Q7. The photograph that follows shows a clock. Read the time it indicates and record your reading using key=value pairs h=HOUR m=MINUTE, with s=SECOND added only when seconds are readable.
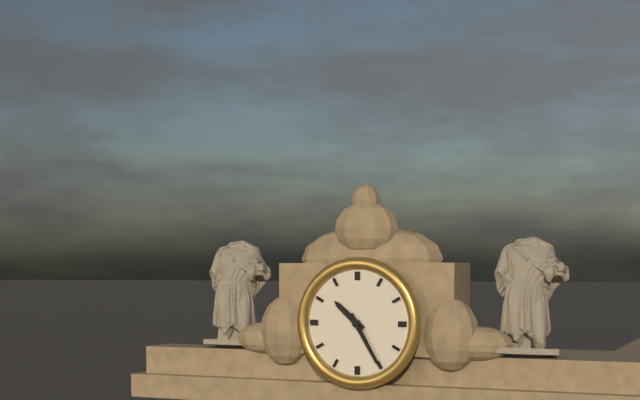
h=10 m=25
